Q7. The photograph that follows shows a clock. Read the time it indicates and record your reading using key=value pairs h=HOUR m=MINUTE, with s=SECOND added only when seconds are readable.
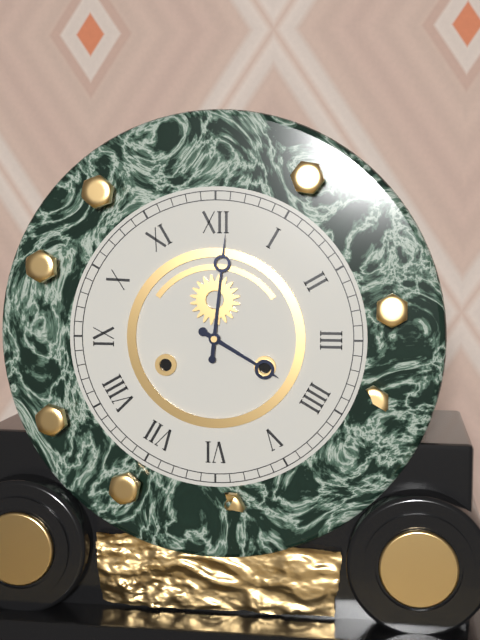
h=4 m=1
